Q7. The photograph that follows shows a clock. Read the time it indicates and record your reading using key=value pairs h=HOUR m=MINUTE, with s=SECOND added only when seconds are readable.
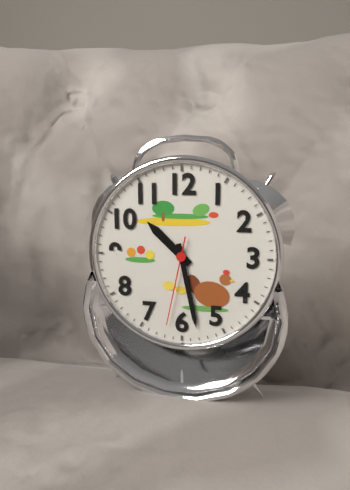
h=10 m=28 s=32
